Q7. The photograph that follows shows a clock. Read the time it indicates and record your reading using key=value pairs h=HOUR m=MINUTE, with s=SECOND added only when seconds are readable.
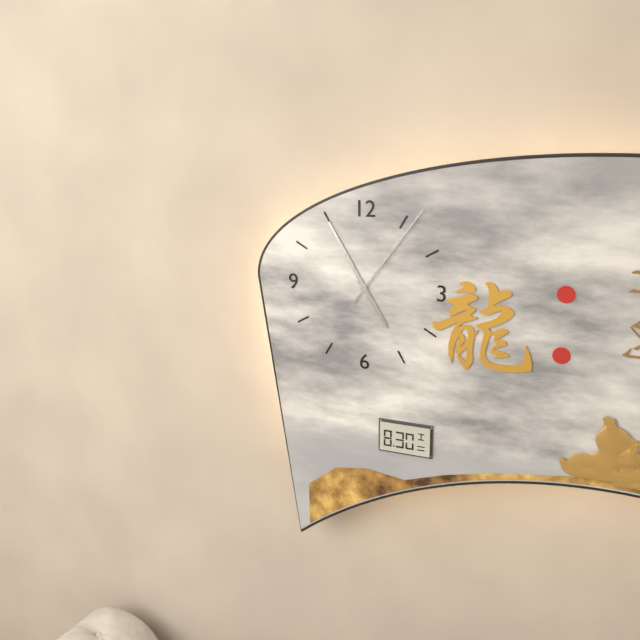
h=4 m=55 s=6
